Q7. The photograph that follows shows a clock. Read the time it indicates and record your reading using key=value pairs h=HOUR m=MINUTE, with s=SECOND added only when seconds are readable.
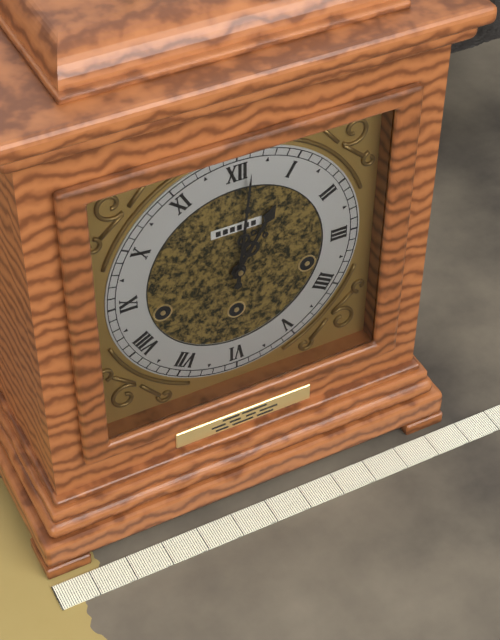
h=1 m=1
